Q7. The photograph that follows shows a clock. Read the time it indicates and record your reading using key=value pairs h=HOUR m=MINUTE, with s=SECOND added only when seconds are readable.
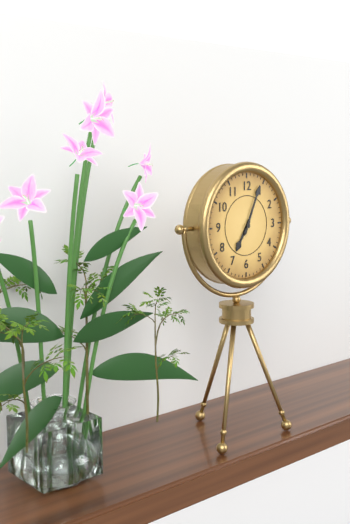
h=7 m=4
